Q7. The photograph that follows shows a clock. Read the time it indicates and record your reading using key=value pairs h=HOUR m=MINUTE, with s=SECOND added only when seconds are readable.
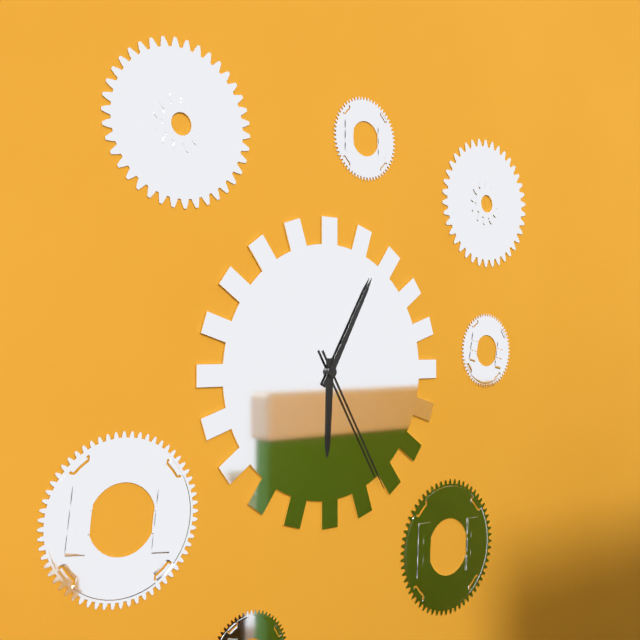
h=6 m=5 s=25
